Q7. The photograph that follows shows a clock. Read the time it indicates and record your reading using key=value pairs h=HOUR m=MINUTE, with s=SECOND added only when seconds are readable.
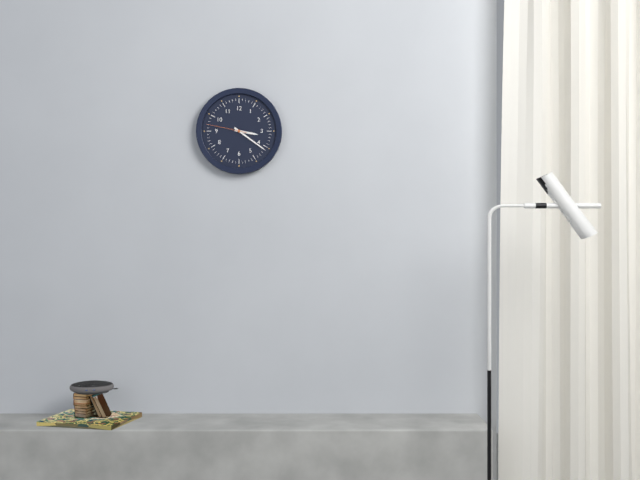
h=3 m=21
